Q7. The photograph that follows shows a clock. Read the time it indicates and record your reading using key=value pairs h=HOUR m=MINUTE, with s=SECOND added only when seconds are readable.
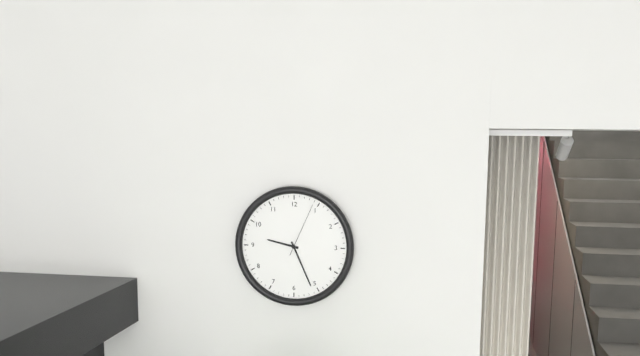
h=9 m=26 s=4
